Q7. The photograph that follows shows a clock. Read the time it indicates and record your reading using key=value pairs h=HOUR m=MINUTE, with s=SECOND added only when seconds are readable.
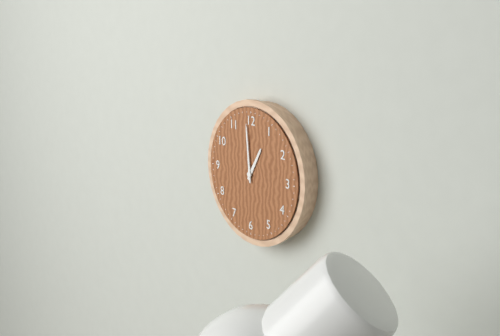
h=12 m=59
